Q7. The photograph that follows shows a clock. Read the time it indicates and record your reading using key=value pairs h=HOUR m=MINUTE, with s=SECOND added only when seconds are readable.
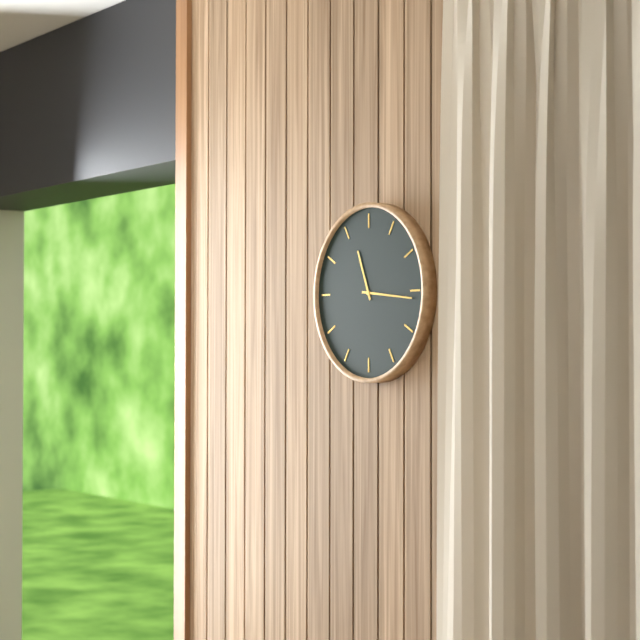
h=11 m=16
